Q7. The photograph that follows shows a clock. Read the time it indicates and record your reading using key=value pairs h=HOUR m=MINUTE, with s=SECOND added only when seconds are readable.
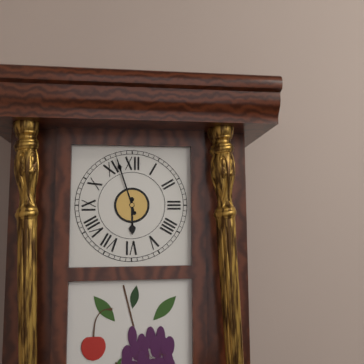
h=5 m=57
